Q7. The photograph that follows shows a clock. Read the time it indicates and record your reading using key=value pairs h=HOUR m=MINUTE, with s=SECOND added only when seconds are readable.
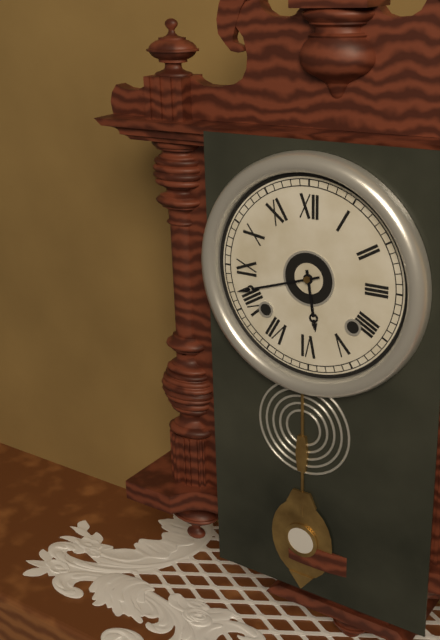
h=5 m=42
